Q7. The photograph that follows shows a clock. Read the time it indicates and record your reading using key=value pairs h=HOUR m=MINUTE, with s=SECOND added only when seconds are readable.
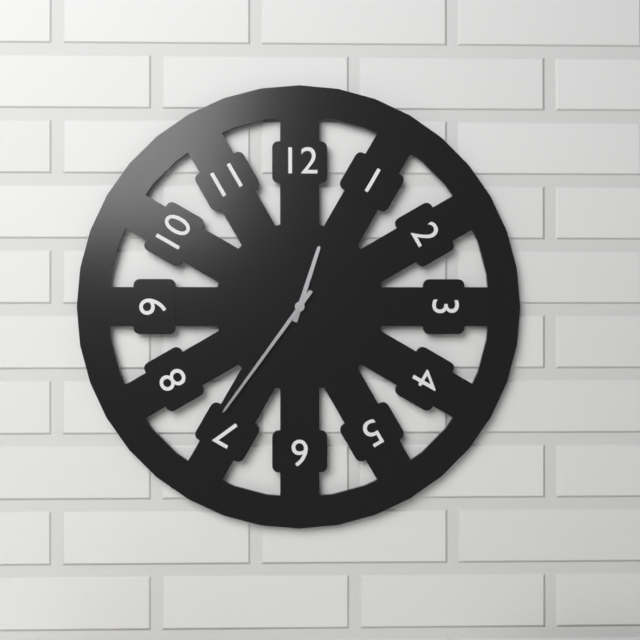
h=12 m=36
